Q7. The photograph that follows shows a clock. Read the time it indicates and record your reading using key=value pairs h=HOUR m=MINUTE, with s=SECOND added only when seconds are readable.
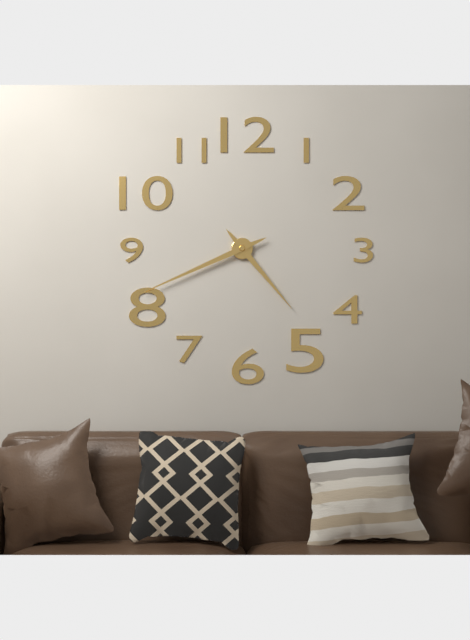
h=4 m=41
